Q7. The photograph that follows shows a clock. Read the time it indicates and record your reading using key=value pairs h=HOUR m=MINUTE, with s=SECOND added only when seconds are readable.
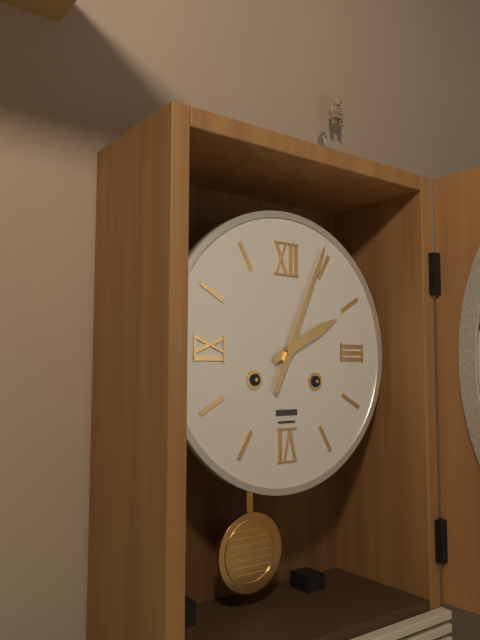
h=2 m=4
